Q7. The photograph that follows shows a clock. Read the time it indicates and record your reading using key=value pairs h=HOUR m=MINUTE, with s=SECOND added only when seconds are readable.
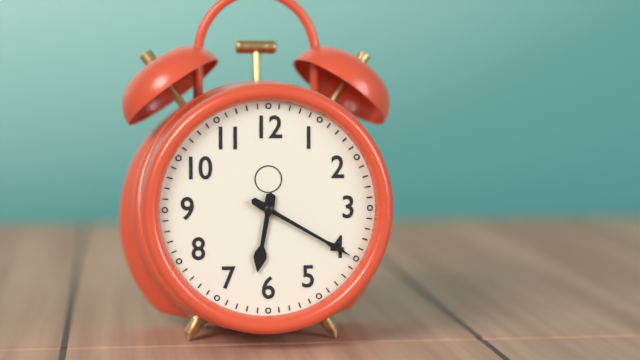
h=6 m=20
